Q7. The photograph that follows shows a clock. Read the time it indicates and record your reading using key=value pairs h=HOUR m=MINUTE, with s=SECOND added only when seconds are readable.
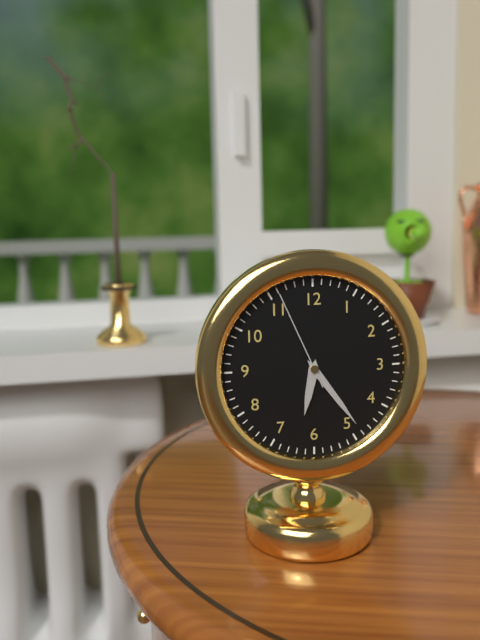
h=6 m=24 s=56
